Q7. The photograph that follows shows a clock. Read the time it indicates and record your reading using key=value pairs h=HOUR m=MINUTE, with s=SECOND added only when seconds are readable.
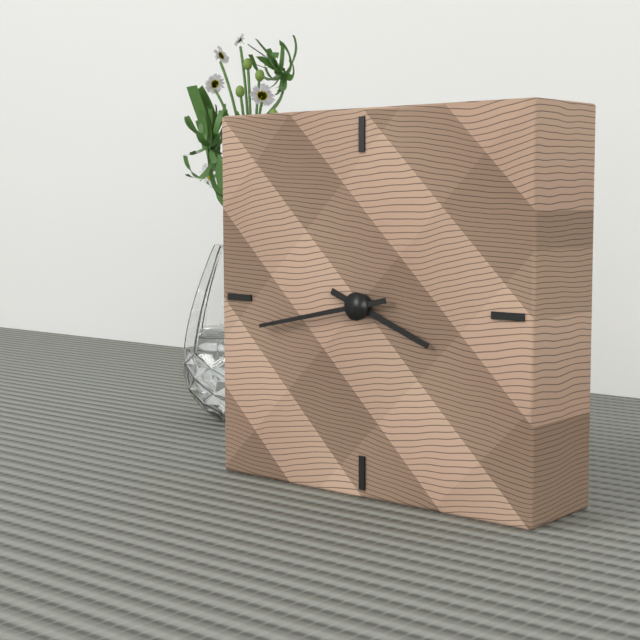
h=3 m=43
